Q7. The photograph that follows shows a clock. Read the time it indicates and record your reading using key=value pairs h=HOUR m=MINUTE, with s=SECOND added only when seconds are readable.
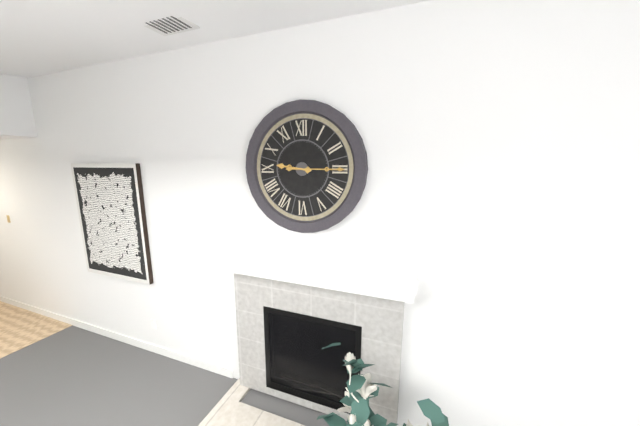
h=9 m=15
